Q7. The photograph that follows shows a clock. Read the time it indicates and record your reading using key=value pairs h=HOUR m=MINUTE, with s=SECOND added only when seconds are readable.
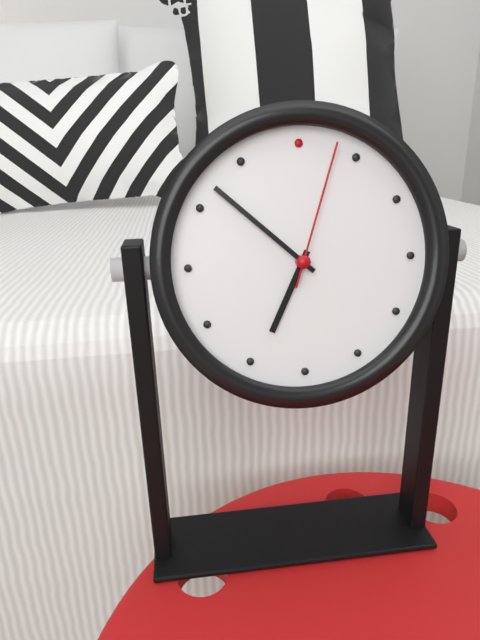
h=6 m=52 s=3
